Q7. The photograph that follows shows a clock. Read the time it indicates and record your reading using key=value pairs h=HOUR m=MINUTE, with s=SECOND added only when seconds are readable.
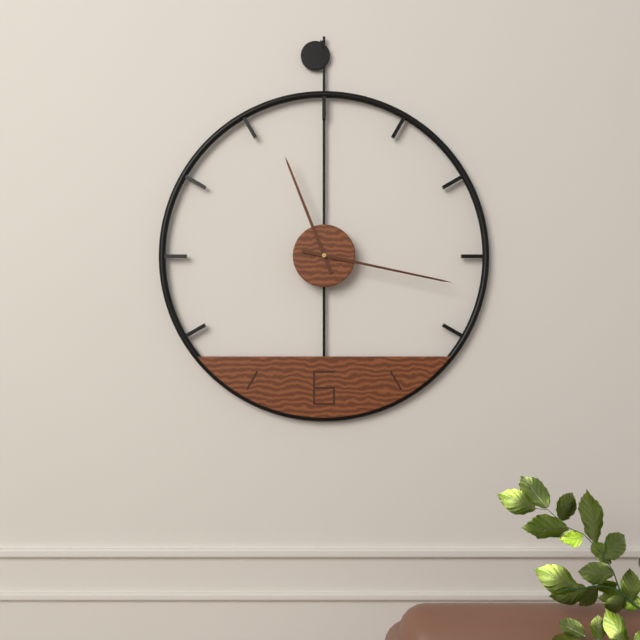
h=11 m=17
